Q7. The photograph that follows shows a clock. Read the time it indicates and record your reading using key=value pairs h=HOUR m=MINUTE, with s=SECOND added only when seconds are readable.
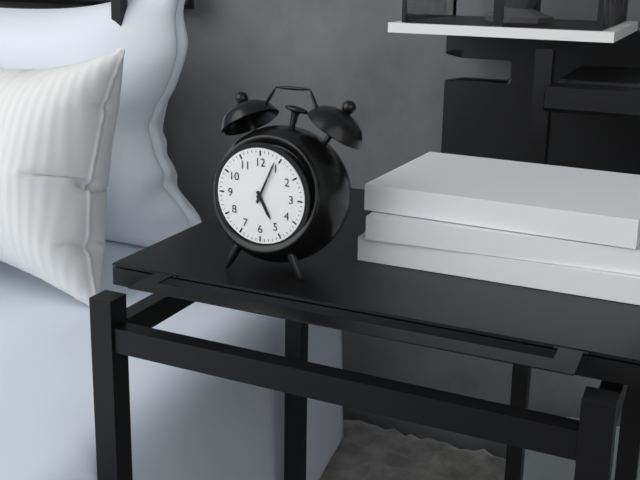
h=5 m=4
